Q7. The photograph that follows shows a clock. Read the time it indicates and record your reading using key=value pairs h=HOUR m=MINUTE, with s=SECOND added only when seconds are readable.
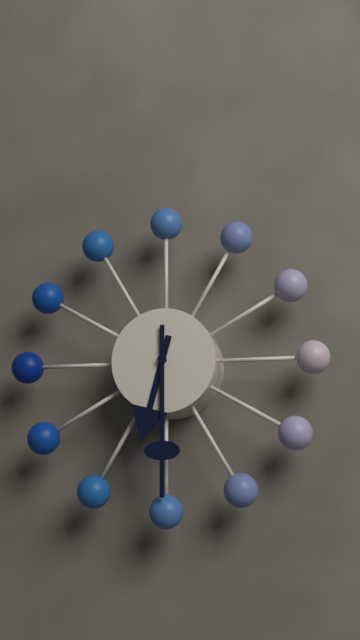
h=6 m=30
